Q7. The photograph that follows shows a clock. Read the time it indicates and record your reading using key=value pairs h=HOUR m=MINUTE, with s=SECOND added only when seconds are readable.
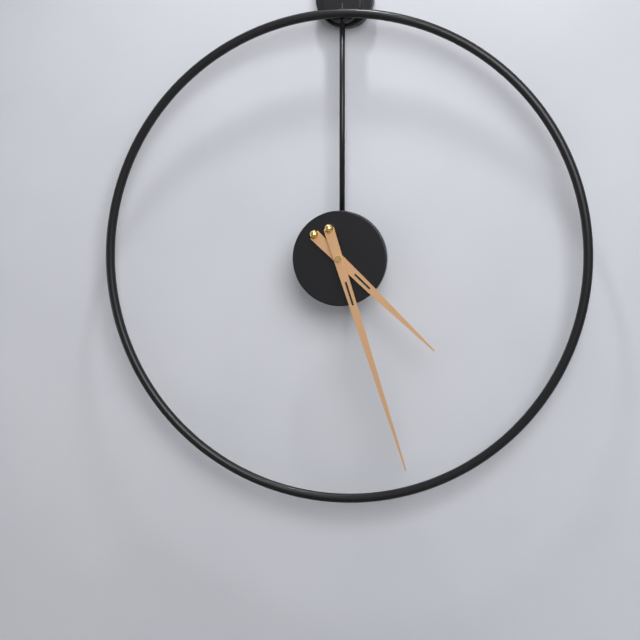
h=4 m=27
